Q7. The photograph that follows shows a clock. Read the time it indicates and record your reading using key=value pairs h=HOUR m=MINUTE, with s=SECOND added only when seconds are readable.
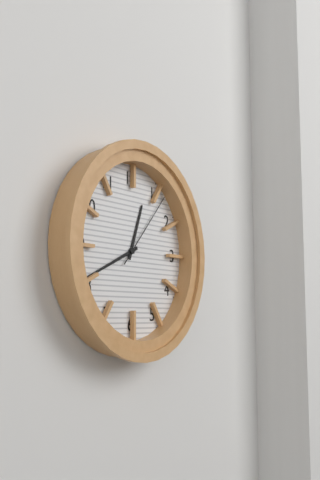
h=12 m=41 s=7
